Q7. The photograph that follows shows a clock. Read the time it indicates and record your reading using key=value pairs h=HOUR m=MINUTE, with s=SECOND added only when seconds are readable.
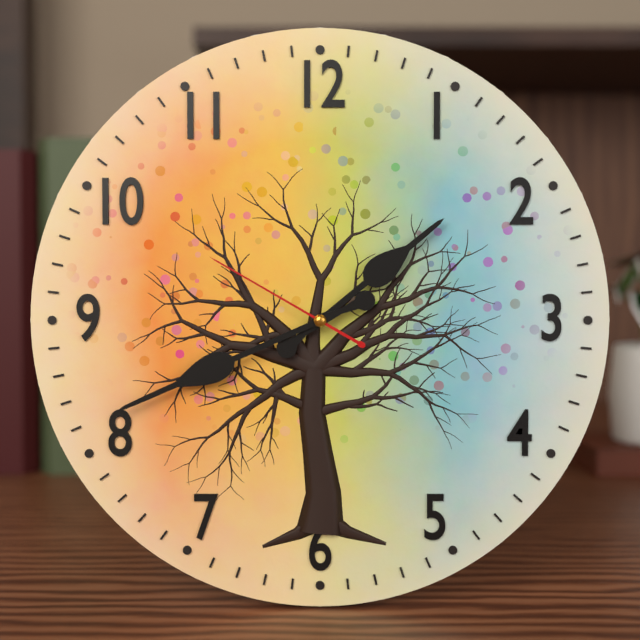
h=1 m=41 s=50
